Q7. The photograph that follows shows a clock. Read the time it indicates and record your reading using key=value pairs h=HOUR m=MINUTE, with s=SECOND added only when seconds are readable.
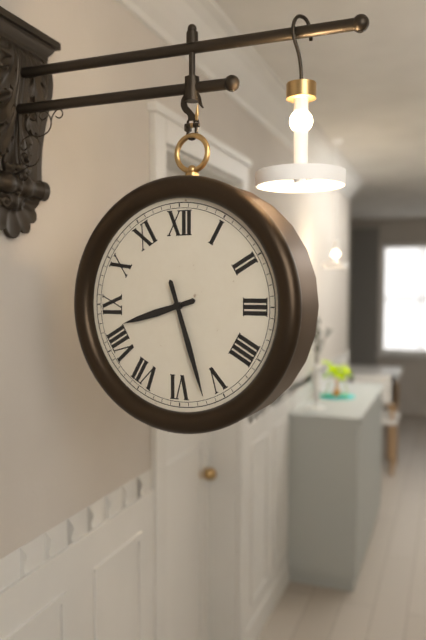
h=8 m=27
